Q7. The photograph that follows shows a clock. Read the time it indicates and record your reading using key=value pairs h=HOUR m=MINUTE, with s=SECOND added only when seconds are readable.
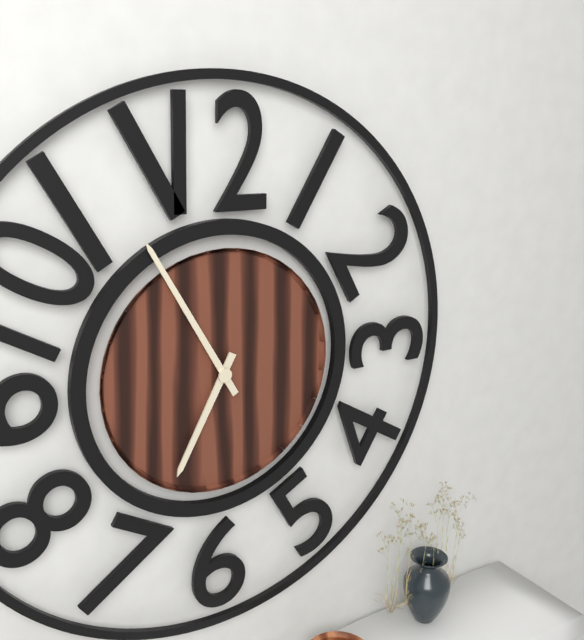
h=6 m=55
